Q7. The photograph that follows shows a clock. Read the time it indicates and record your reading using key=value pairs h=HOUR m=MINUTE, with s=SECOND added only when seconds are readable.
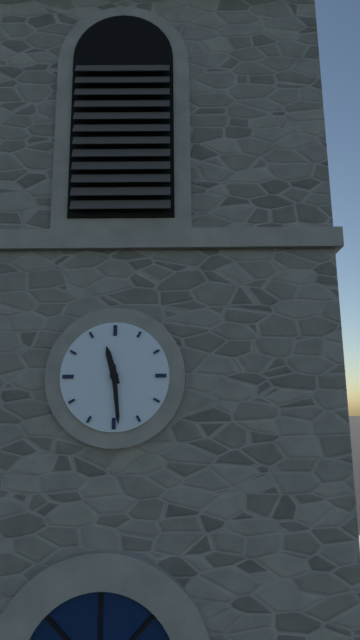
h=11 m=29
